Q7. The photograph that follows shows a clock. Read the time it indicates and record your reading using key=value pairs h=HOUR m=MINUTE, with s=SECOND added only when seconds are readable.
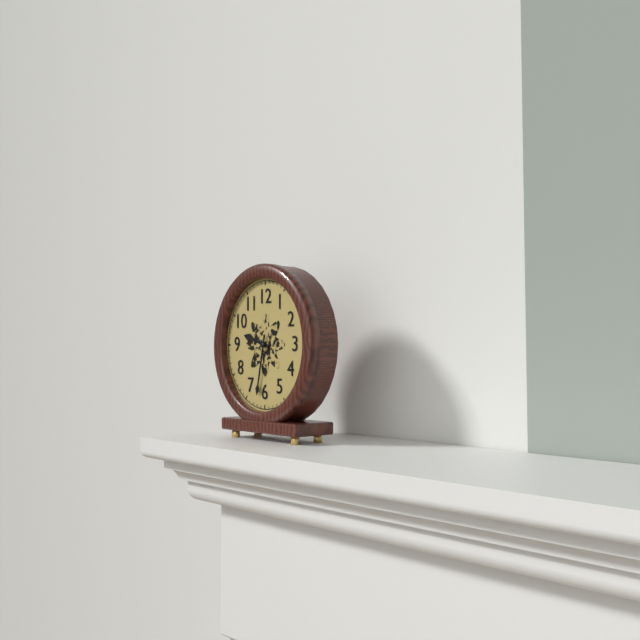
h=9 m=32
